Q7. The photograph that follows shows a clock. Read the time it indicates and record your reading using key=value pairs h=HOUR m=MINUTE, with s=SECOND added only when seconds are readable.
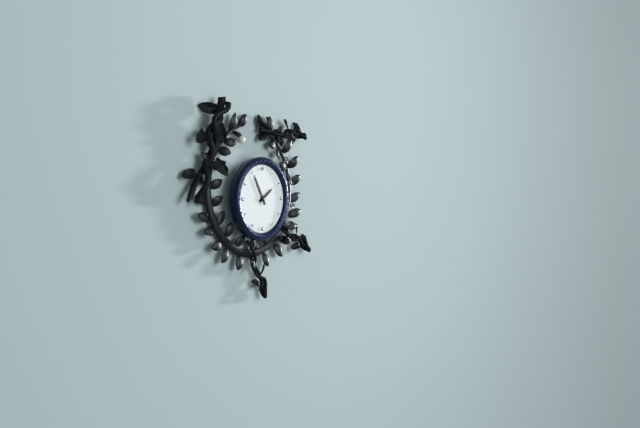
h=1 m=55
